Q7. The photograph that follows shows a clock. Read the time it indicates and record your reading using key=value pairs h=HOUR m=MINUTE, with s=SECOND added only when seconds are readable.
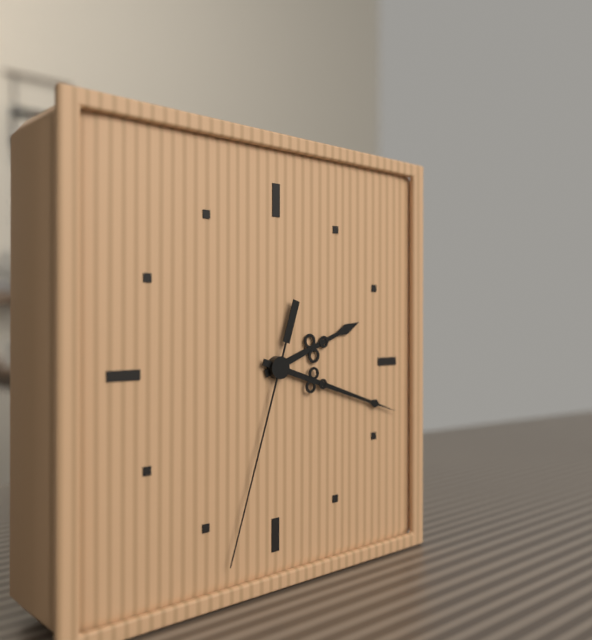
h=2 m=18 s=33
